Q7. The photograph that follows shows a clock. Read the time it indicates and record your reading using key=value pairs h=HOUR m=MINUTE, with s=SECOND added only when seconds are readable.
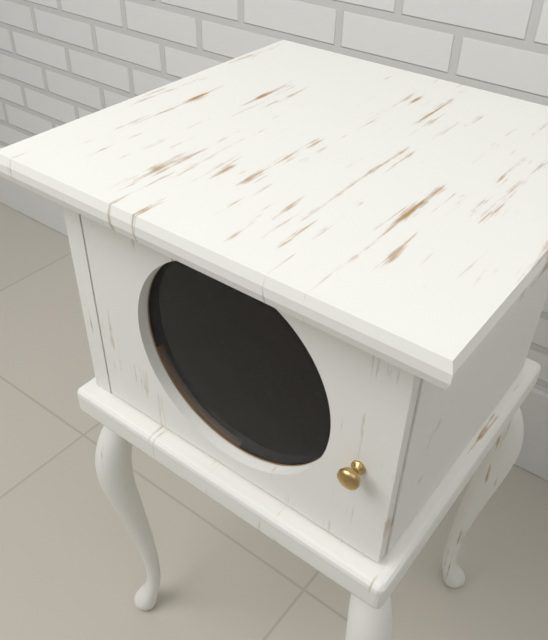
h=7 m=2 s=38
